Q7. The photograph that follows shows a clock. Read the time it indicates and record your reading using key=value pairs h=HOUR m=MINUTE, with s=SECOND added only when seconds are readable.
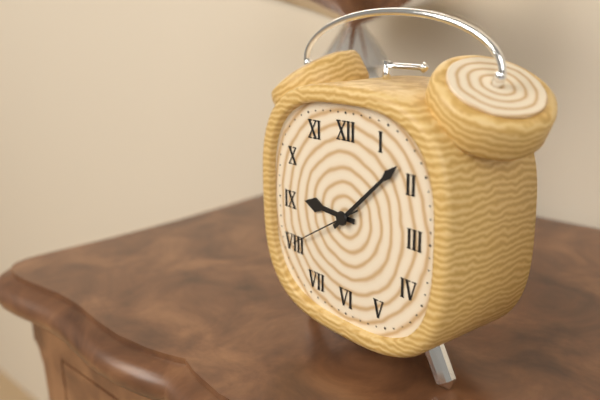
h=9 m=8 s=40
